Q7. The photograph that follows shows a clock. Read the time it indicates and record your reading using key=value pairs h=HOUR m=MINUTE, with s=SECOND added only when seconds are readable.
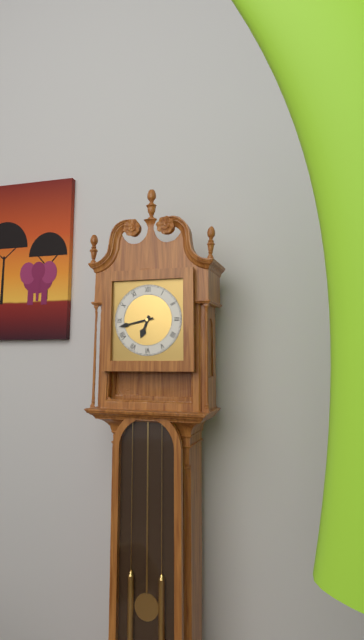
h=6 m=43
